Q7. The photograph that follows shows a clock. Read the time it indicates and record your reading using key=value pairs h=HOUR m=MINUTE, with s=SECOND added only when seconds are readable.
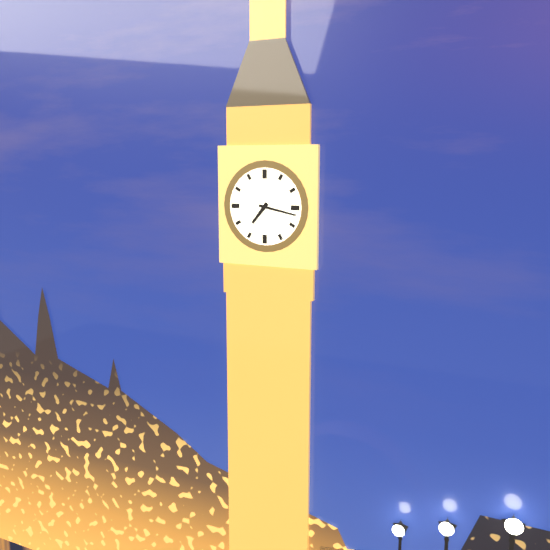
h=7 m=17
